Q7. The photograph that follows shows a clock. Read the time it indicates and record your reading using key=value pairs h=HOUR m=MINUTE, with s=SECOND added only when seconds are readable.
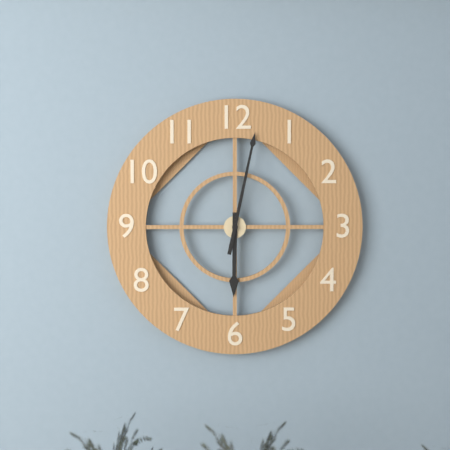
h=6 m=2
